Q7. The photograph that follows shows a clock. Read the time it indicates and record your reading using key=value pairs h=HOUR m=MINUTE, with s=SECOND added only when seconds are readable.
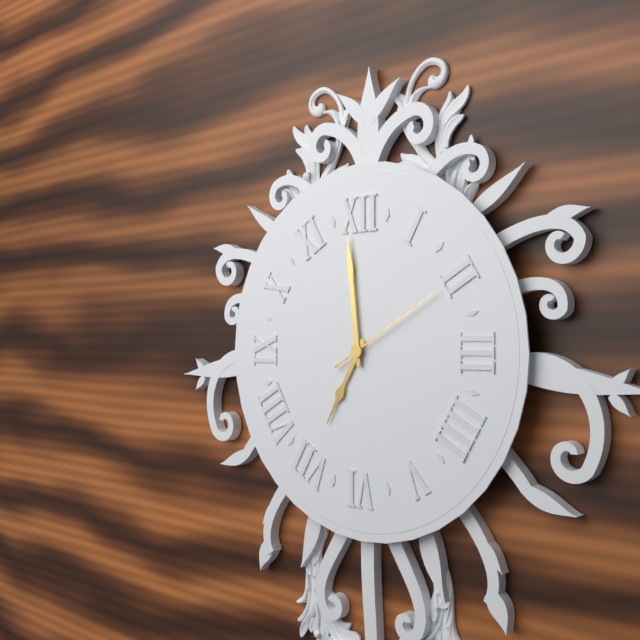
h=6 m=59 s=10
